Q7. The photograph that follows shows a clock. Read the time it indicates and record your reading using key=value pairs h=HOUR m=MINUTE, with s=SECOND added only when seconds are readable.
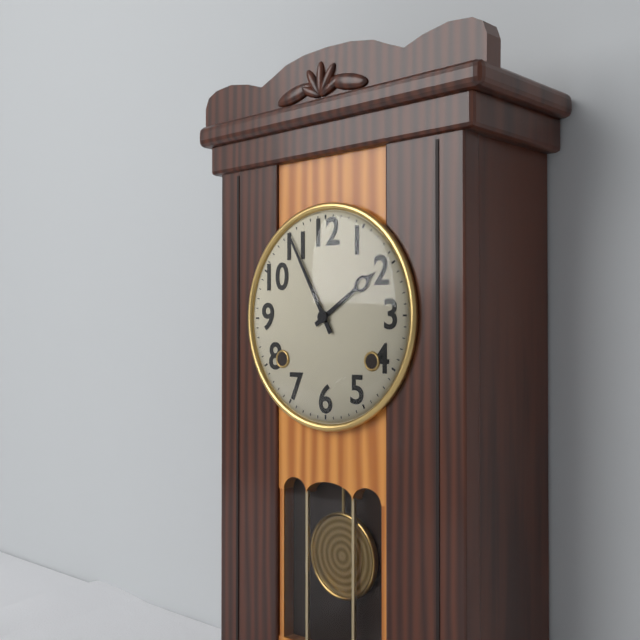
h=1 m=55
